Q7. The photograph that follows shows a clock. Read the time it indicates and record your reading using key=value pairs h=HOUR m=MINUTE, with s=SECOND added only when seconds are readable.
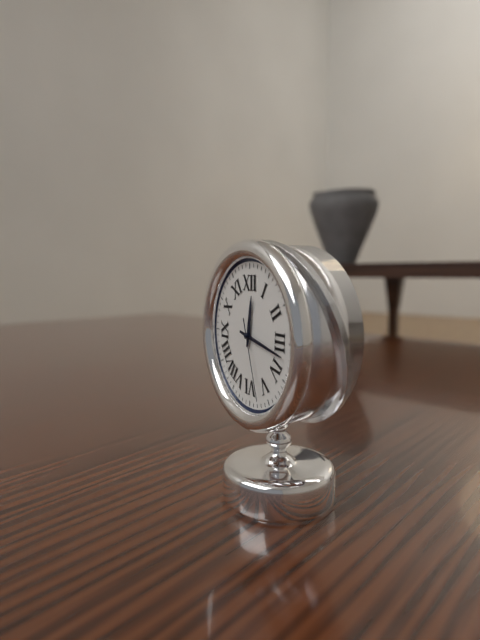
h=12 m=17 s=27
